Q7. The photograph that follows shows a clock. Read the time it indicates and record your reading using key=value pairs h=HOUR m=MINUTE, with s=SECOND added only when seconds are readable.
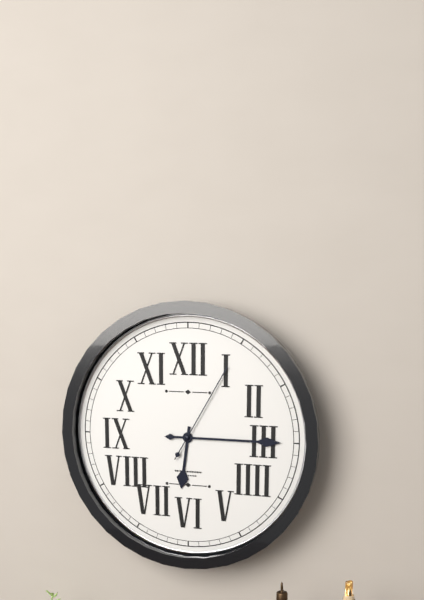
h=6 m=15 s=5
